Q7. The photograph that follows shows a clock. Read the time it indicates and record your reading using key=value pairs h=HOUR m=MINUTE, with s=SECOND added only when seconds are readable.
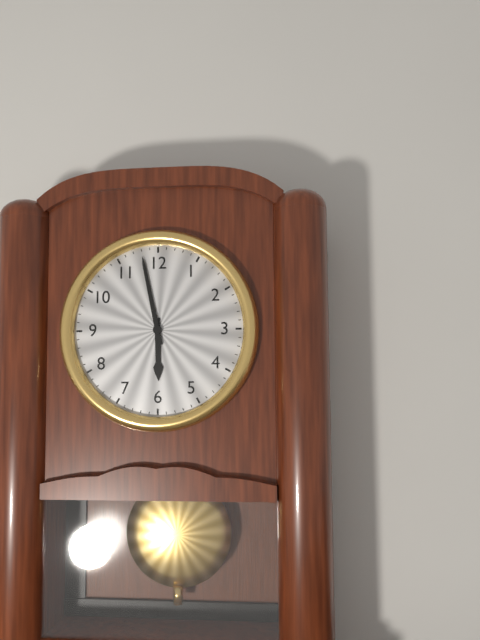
h=5 m=58
